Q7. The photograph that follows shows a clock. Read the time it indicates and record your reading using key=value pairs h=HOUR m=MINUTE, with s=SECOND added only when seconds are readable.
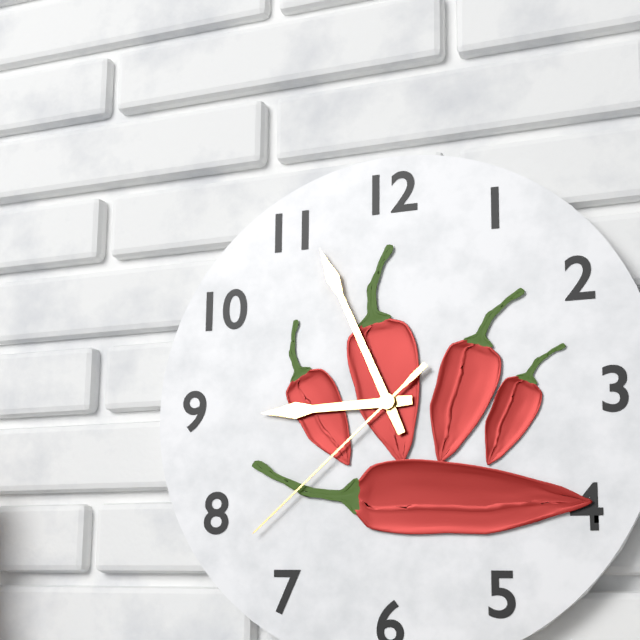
h=8 m=56 s=38
